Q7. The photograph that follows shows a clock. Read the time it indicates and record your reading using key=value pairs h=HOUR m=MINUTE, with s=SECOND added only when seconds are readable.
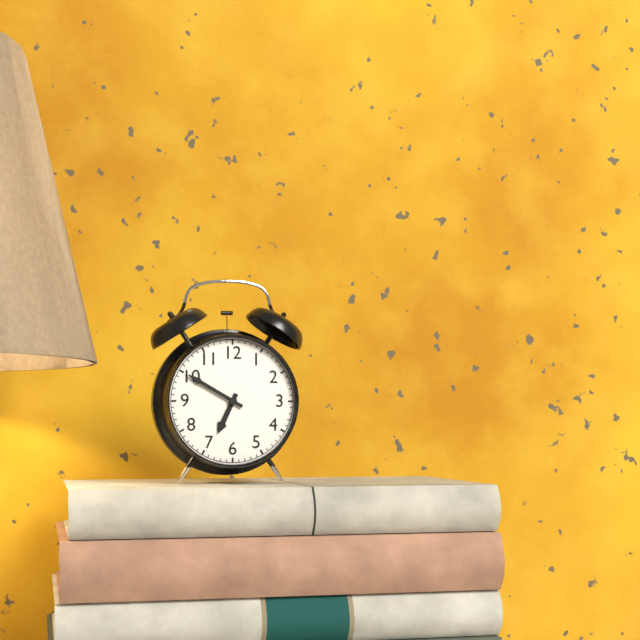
h=6 m=50
